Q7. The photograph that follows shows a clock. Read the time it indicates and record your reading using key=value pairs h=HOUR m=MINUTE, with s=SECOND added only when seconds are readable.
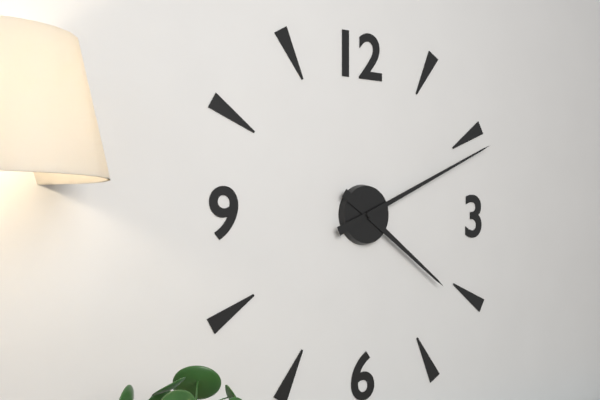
h=4 m=11
